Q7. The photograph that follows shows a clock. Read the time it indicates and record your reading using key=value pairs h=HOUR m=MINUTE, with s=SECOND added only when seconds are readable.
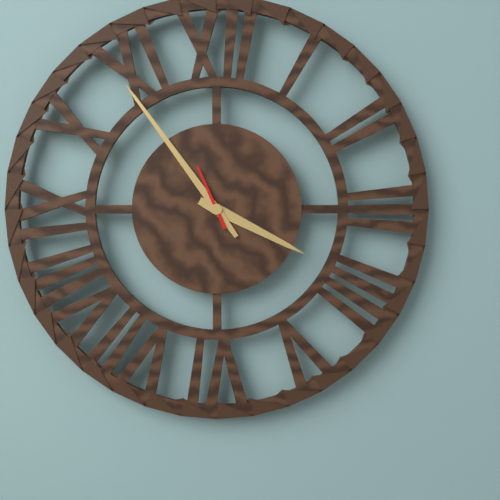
h=3 m=54 s=56
